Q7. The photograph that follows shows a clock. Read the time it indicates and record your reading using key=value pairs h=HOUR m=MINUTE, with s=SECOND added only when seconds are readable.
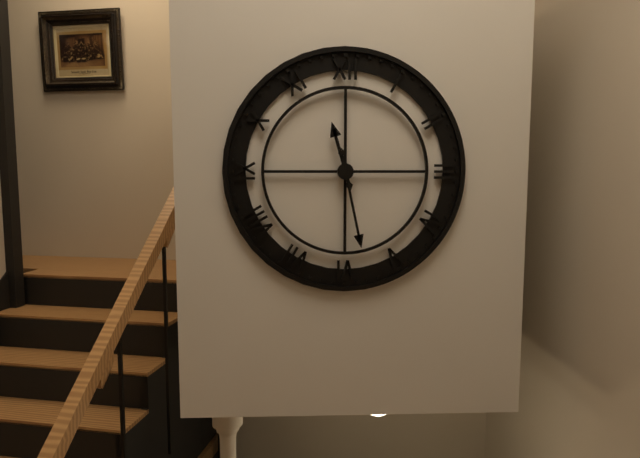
h=11 m=28
